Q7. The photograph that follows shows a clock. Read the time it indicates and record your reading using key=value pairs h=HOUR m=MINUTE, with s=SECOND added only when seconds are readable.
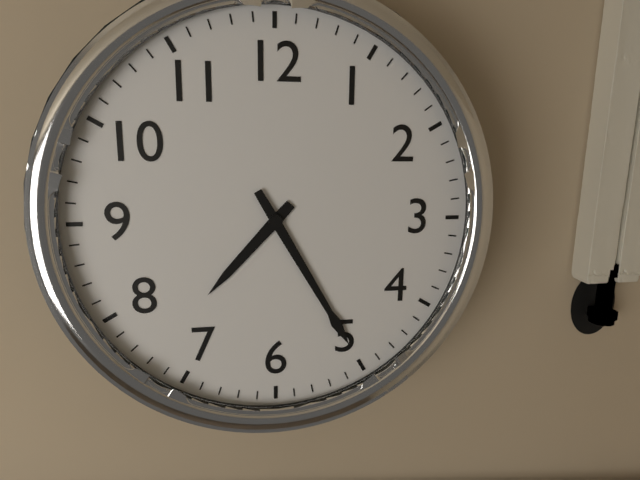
h=7 m=25
